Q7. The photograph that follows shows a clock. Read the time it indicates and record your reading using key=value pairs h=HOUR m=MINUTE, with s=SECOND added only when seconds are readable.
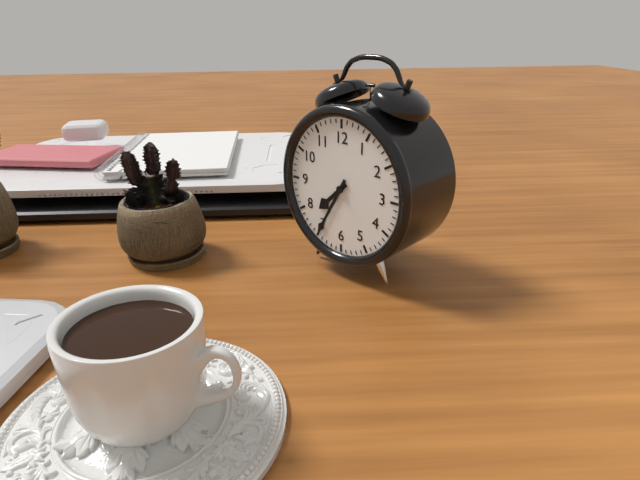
h=7 m=35
